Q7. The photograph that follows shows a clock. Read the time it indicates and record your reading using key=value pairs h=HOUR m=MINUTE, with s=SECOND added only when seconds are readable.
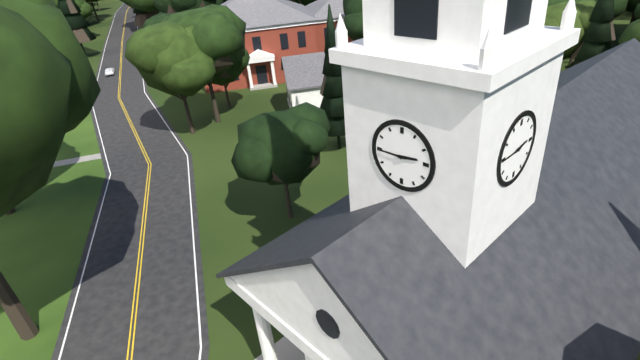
h=2 m=45
